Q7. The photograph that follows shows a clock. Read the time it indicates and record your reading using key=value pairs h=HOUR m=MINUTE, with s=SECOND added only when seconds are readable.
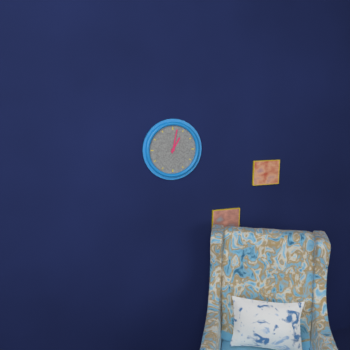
h=1 m=2
